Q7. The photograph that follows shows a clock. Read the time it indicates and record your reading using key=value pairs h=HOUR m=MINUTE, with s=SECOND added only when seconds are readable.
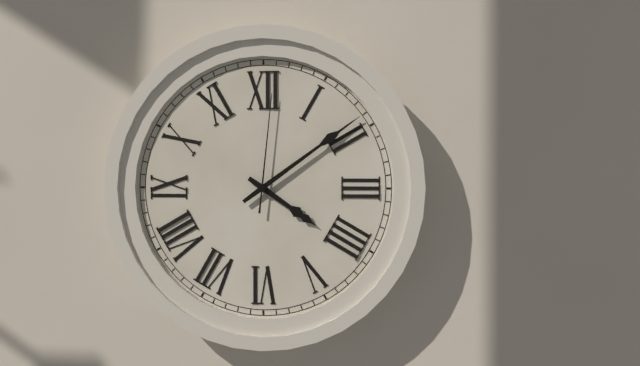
h=4 m=9 s=1
